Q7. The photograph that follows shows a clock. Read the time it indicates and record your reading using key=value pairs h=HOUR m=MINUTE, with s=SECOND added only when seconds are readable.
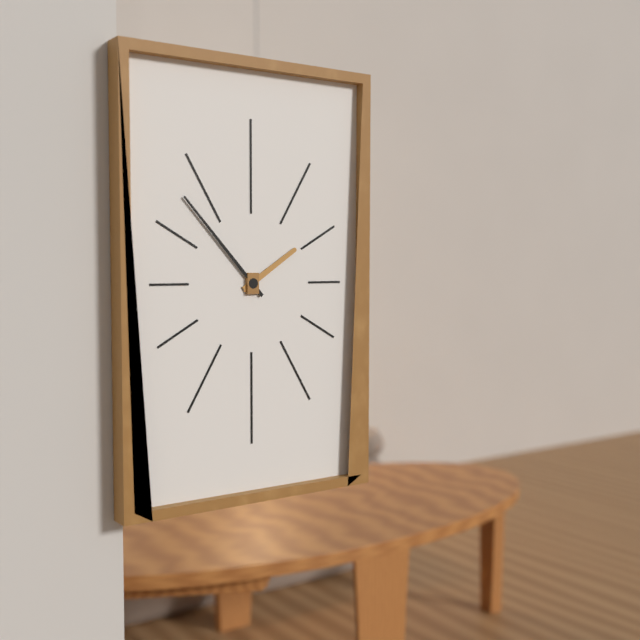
h=1 m=53
